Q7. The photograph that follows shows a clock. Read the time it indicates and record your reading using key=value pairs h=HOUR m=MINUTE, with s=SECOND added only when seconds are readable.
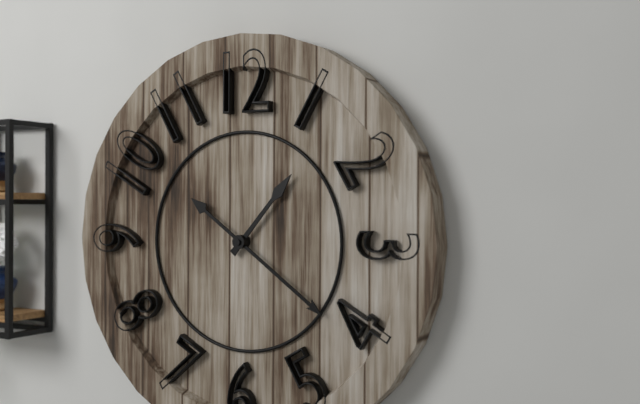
h=1 m=21
